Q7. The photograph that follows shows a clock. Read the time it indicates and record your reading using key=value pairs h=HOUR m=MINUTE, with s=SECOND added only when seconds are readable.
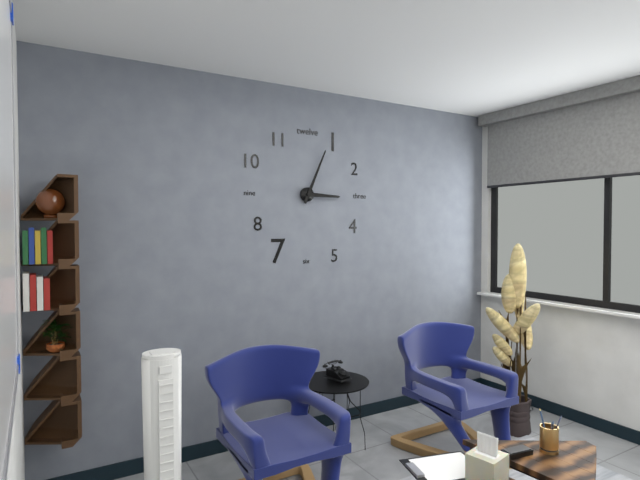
h=3 m=4
